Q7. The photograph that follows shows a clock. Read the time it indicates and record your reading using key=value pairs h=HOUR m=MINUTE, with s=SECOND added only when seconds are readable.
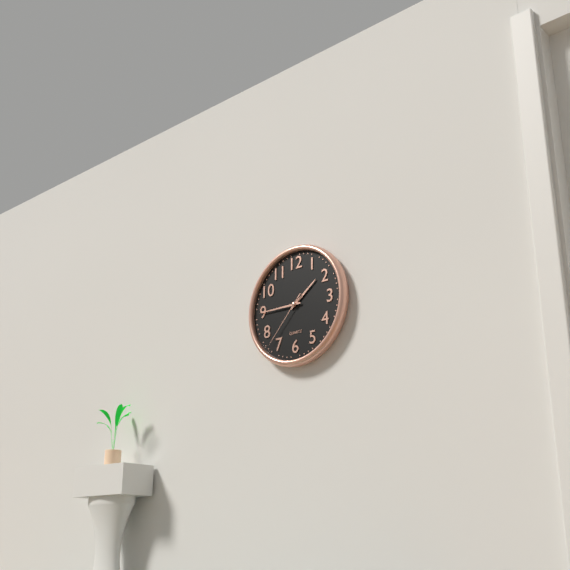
h=1 m=45 s=37
